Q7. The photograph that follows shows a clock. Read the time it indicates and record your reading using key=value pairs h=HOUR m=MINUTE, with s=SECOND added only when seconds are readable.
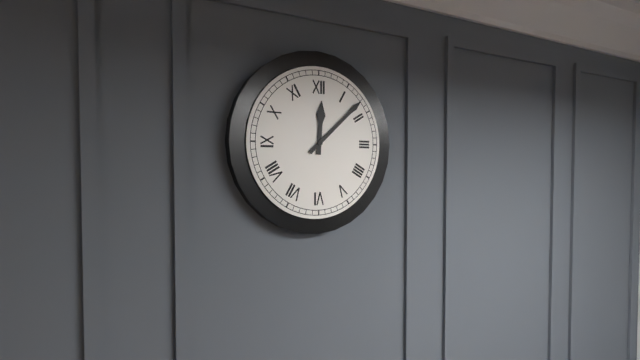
h=12 m=8
